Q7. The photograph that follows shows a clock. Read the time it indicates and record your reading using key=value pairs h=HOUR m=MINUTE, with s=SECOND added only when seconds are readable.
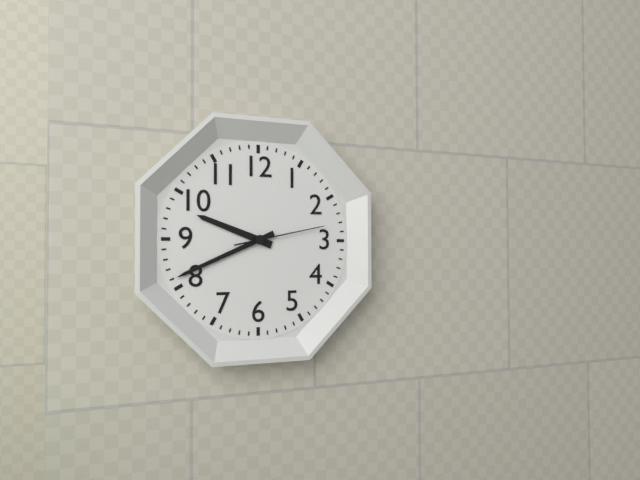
h=9 m=41 s=13
